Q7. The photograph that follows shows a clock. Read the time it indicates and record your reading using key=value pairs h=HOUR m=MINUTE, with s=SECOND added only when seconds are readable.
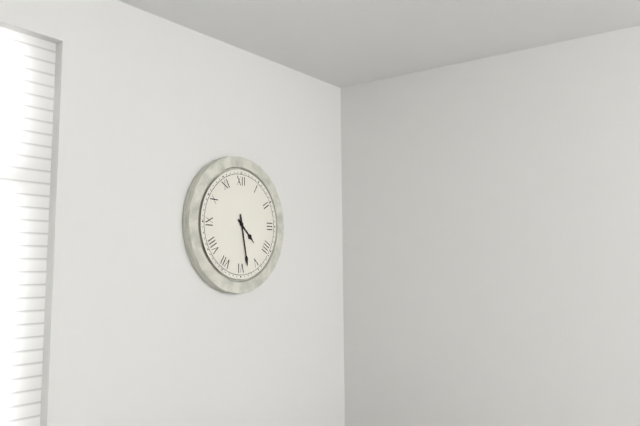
h=4 m=28
